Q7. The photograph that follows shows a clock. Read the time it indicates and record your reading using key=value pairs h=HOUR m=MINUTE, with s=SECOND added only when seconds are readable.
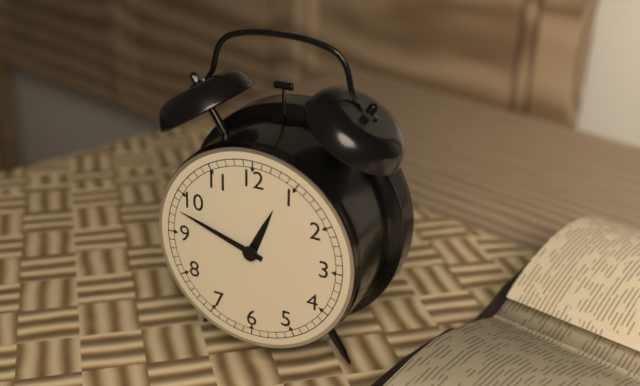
h=12 m=48
